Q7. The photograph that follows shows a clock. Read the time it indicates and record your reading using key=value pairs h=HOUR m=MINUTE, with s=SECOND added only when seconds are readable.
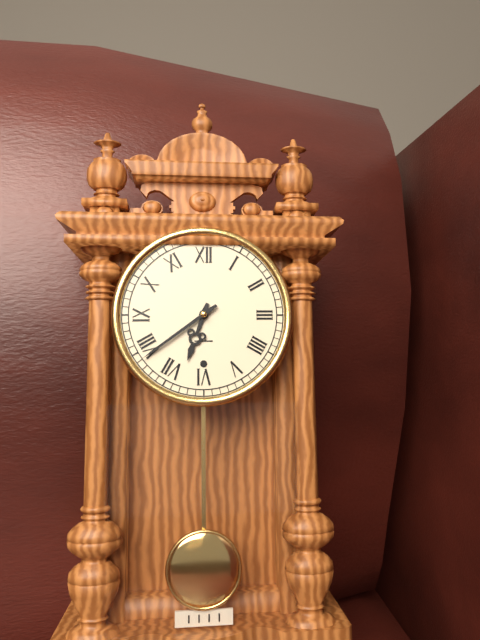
h=6 m=39
